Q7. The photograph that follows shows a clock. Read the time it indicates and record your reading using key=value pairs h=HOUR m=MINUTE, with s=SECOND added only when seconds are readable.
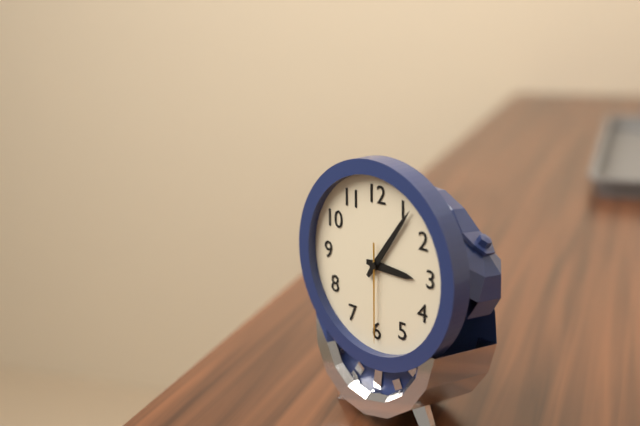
h=3 m=6 s=30
